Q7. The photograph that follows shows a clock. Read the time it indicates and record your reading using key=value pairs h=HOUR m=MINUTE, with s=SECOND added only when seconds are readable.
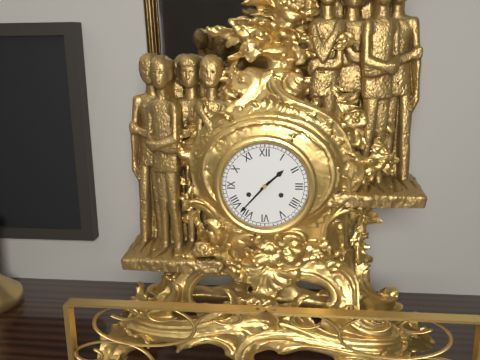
h=1 m=37
